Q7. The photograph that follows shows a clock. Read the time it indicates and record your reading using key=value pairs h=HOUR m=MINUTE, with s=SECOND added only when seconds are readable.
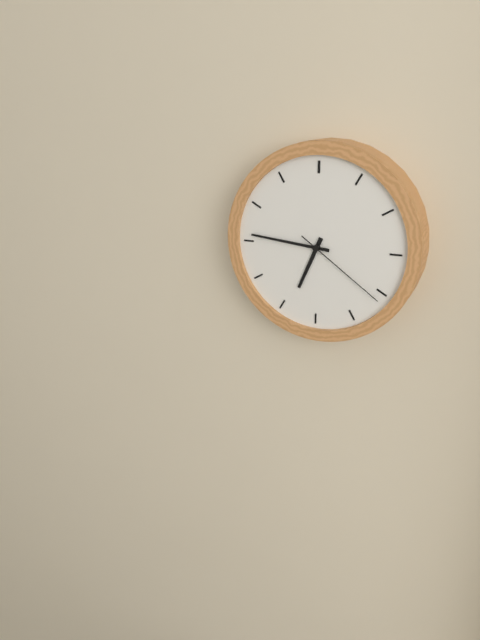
h=6 m=46 s=21
